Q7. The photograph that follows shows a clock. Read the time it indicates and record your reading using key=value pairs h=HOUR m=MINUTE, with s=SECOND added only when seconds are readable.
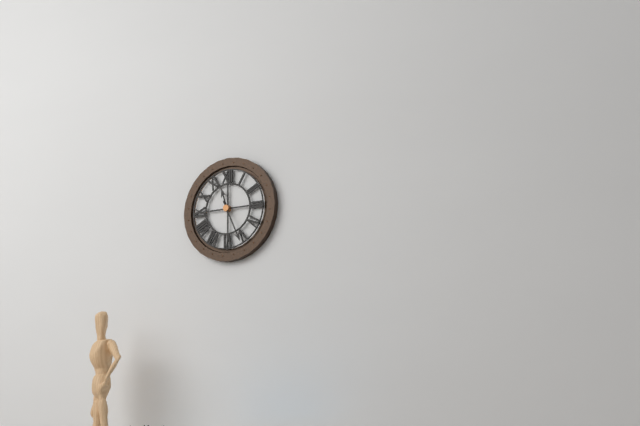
h=11 m=26
